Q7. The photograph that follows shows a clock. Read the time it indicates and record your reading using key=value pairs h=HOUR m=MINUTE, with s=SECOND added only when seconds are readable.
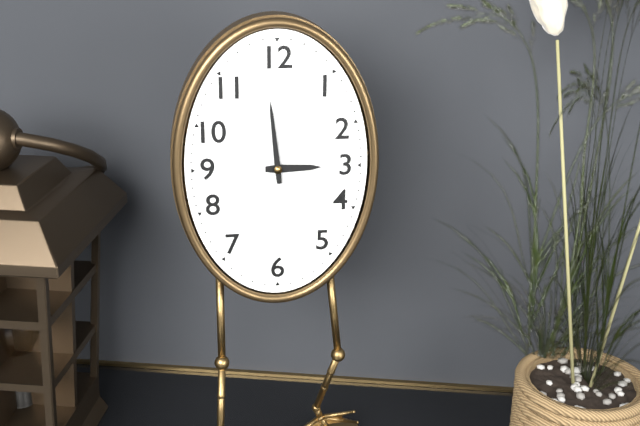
h=2 m=59
